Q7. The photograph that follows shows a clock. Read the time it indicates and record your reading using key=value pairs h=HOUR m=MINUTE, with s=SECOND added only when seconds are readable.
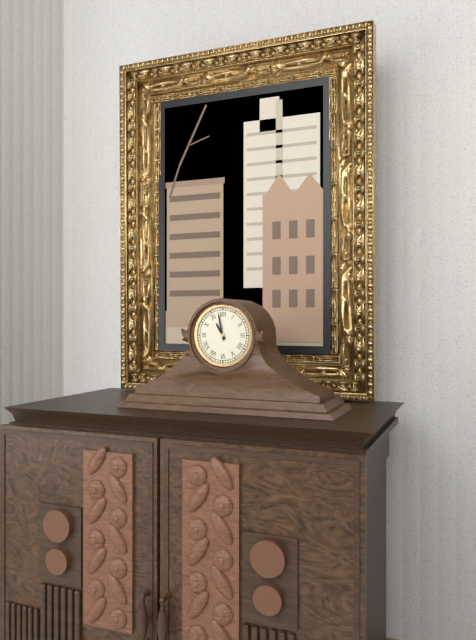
h=10 m=58
